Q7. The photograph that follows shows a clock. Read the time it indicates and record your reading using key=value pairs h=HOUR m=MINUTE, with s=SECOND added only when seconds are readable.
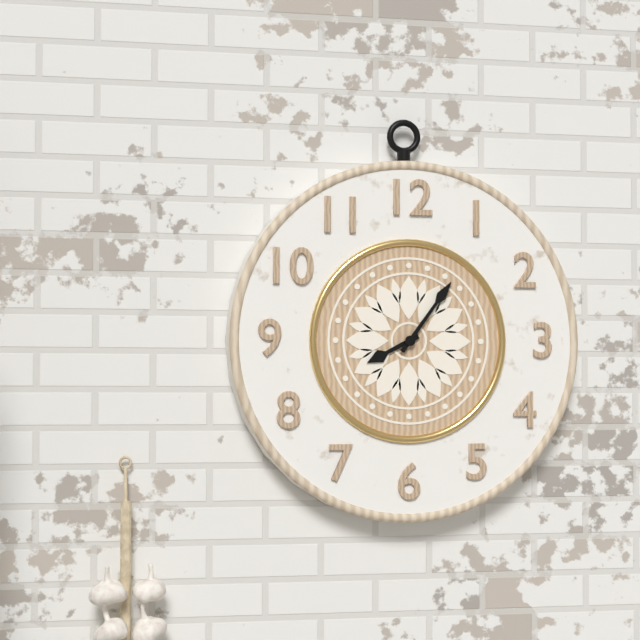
h=8 m=6
